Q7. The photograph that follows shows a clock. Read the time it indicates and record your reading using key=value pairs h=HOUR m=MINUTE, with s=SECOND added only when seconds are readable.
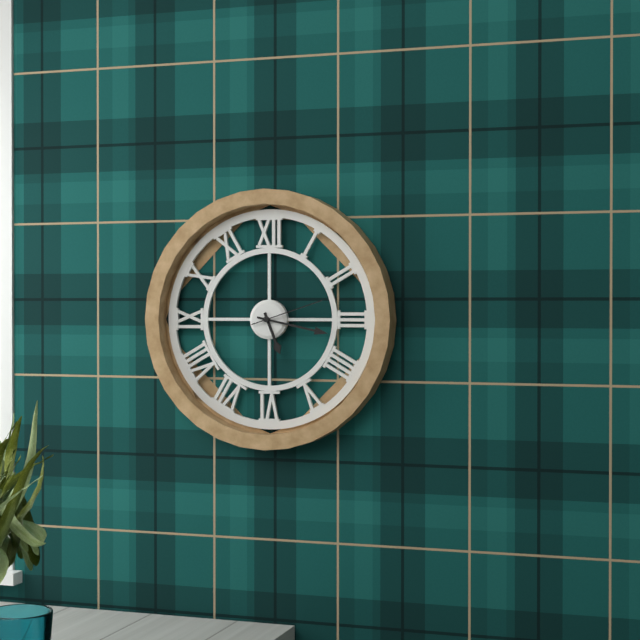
h=5 m=17 s=12
